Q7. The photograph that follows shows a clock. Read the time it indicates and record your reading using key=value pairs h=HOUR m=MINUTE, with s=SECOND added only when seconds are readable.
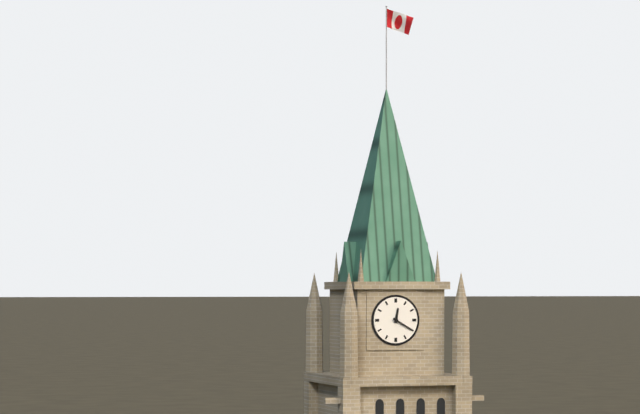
h=12 m=20
